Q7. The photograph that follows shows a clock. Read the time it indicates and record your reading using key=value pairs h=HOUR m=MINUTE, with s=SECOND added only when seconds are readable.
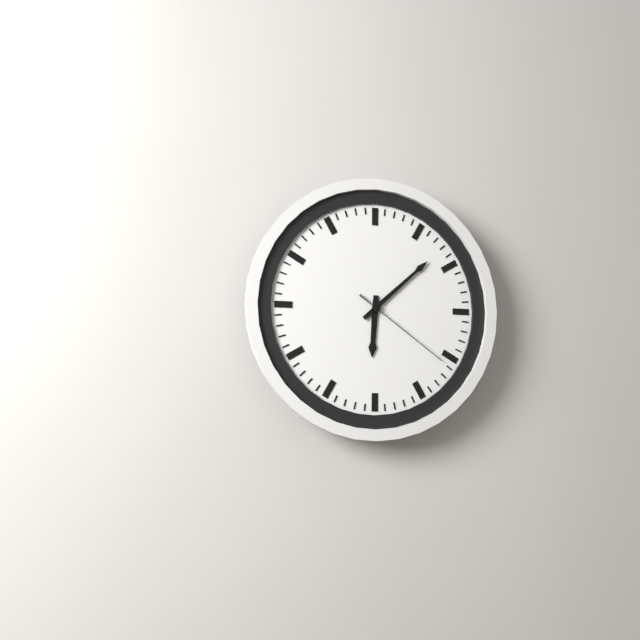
h=6 m=8 s=21
